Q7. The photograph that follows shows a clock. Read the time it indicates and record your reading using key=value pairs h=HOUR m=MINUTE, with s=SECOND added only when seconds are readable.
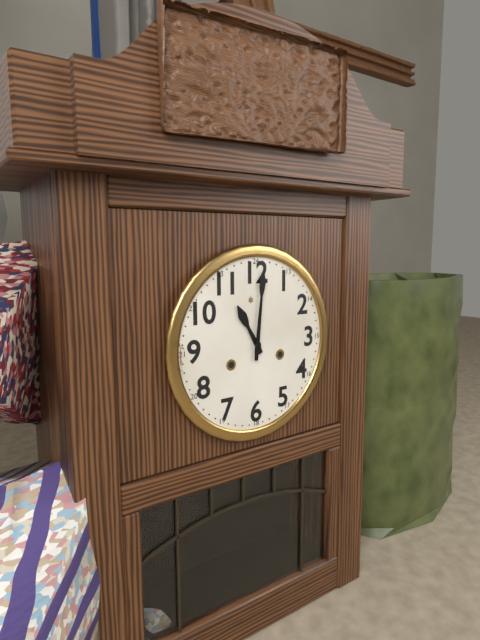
h=11 m=1
